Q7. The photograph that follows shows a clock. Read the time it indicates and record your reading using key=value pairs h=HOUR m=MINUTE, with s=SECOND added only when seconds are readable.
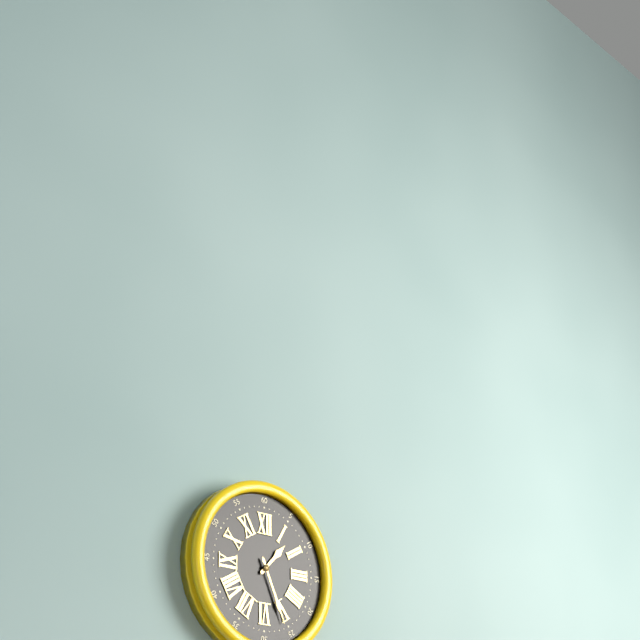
h=1 m=26
